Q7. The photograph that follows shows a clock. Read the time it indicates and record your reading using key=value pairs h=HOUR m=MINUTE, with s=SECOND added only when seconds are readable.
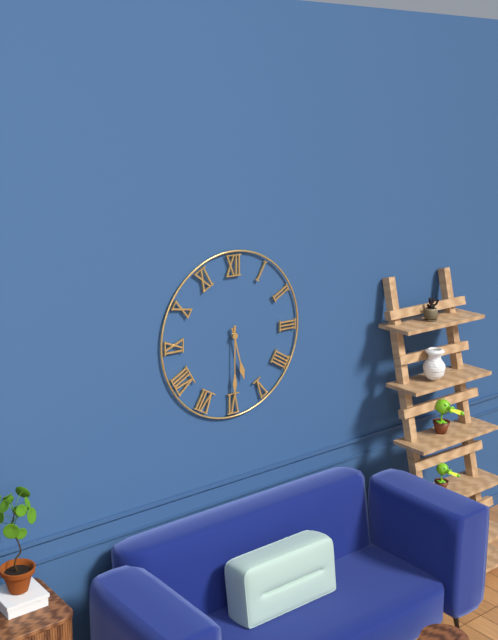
h=5 m=30
